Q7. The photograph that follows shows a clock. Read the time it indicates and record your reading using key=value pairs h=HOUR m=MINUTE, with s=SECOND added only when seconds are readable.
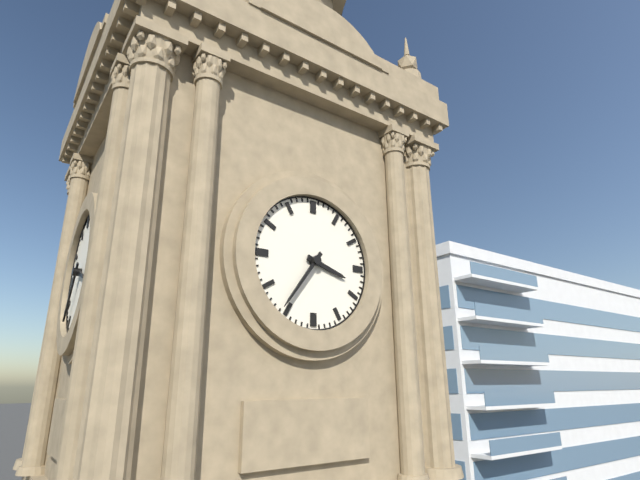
h=3 m=36
